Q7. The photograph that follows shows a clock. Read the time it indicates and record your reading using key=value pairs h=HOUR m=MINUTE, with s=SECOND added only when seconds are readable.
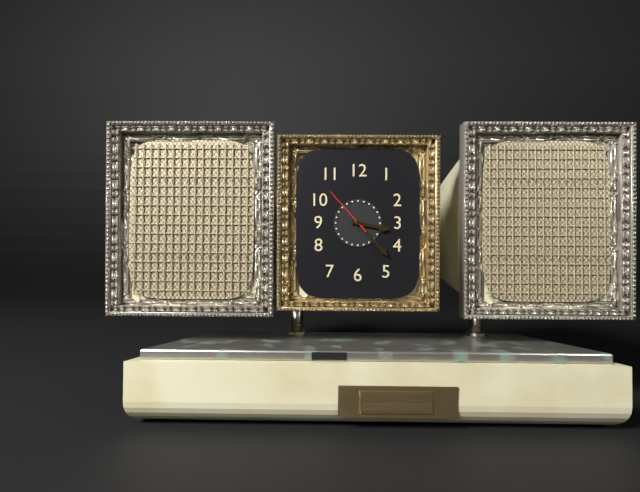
h=3 m=23 s=53
